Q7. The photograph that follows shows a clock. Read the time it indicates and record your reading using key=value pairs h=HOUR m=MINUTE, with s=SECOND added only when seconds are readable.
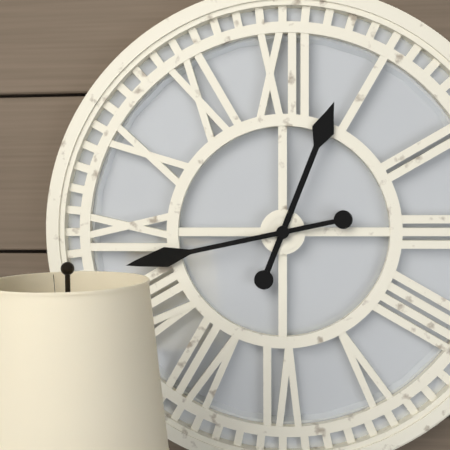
h=12 m=43
